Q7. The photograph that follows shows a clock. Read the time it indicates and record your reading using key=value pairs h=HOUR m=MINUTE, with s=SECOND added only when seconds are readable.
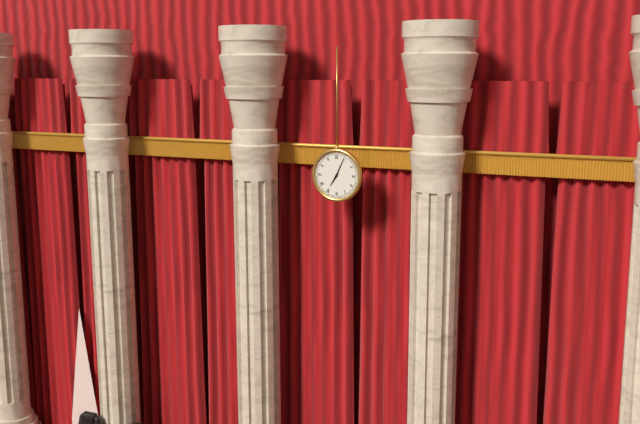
h=7 m=4
